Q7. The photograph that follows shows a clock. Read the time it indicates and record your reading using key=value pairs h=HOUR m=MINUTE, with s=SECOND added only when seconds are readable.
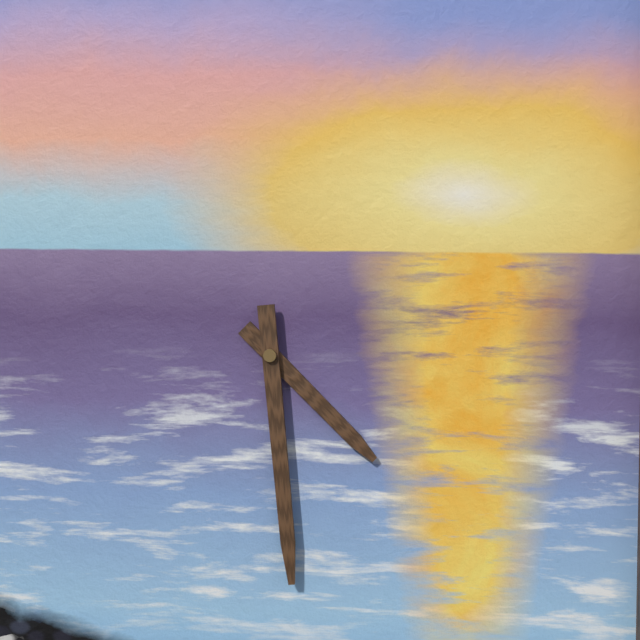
h=4 m=29
